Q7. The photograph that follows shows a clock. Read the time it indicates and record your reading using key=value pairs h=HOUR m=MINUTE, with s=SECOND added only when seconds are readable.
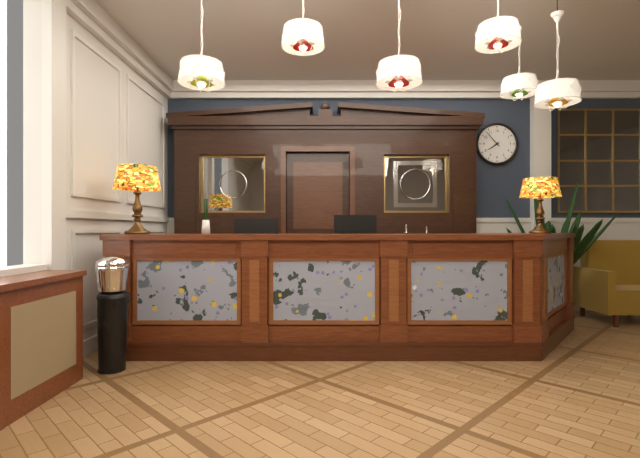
h=7 m=53
